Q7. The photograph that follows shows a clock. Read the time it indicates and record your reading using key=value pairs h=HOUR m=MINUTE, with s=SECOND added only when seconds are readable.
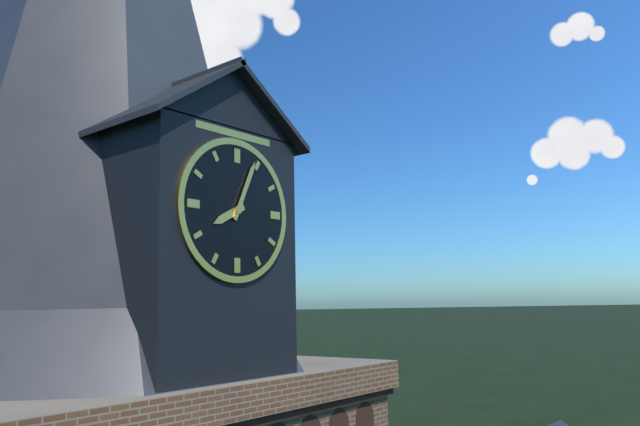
h=8 m=4
